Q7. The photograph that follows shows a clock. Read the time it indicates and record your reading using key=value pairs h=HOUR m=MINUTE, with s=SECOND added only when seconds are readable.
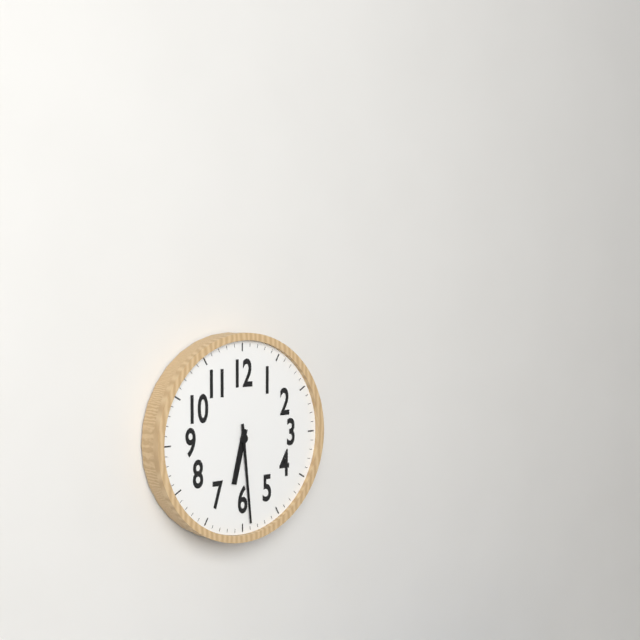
h=6 m=29
